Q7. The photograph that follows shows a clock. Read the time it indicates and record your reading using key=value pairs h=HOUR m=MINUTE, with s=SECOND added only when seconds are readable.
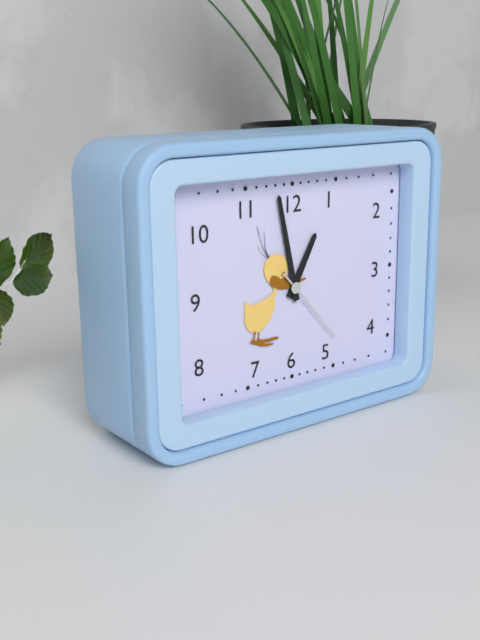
h=12 m=58 s=23
